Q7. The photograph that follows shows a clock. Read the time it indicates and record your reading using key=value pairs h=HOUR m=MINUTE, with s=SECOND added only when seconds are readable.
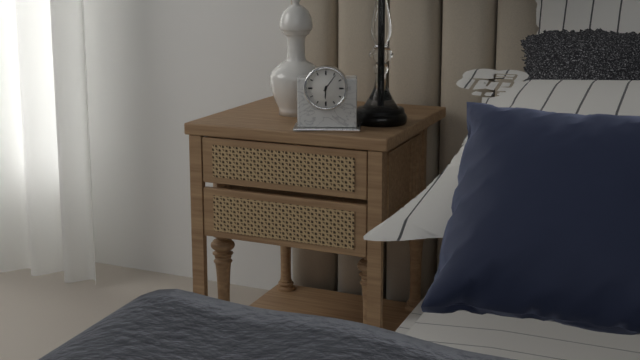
h=6 m=6
